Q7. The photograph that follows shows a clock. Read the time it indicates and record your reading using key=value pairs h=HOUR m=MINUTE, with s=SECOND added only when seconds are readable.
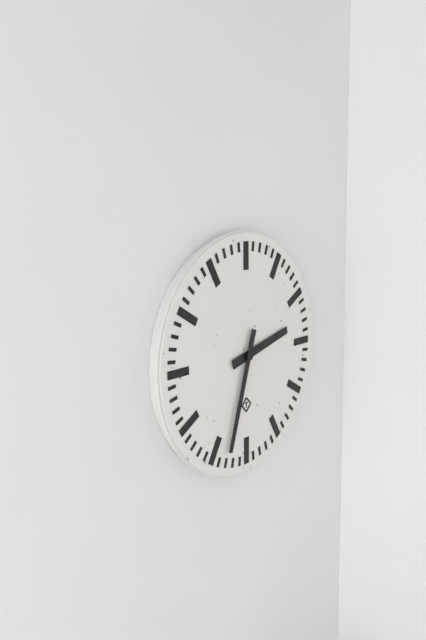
h=2 m=33
